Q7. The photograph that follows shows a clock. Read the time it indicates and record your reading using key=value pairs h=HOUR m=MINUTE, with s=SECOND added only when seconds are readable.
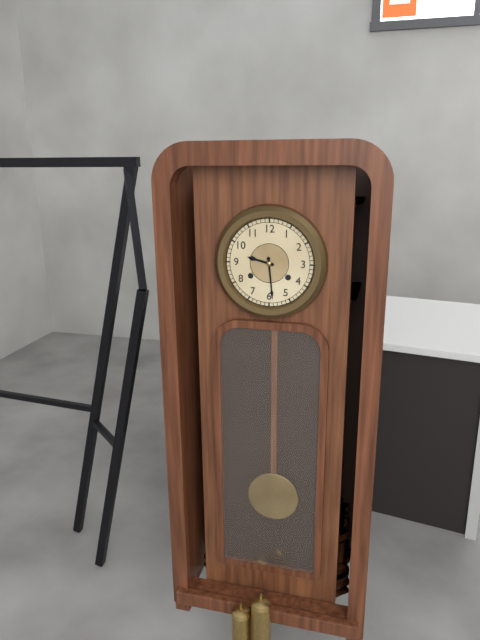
h=9 m=29
